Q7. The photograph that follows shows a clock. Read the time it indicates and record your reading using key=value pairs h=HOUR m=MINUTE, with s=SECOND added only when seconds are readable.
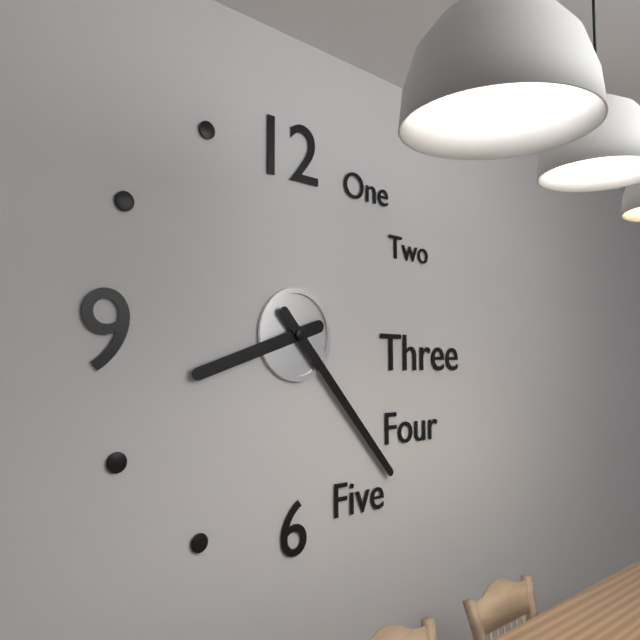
h=8 m=23
